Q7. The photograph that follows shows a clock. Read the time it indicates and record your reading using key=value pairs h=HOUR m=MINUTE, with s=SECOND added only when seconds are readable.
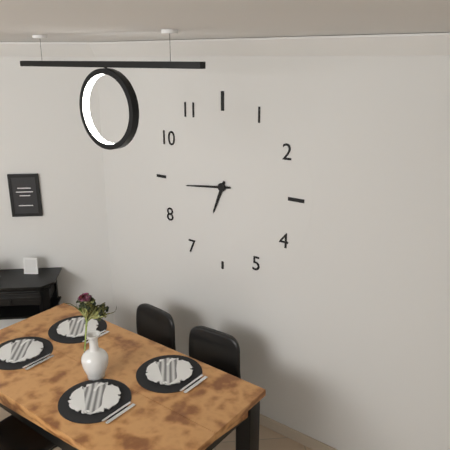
h=6 m=44
